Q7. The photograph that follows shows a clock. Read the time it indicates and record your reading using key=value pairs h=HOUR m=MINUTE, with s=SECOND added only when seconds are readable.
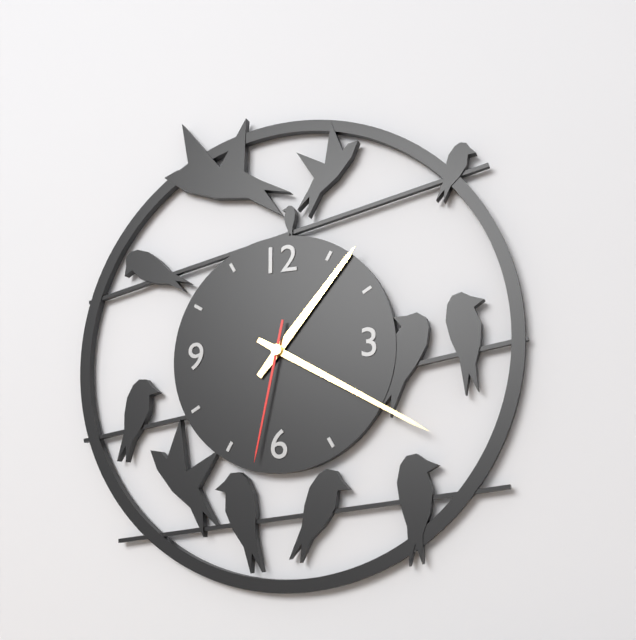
h=1 m=20 s=32
